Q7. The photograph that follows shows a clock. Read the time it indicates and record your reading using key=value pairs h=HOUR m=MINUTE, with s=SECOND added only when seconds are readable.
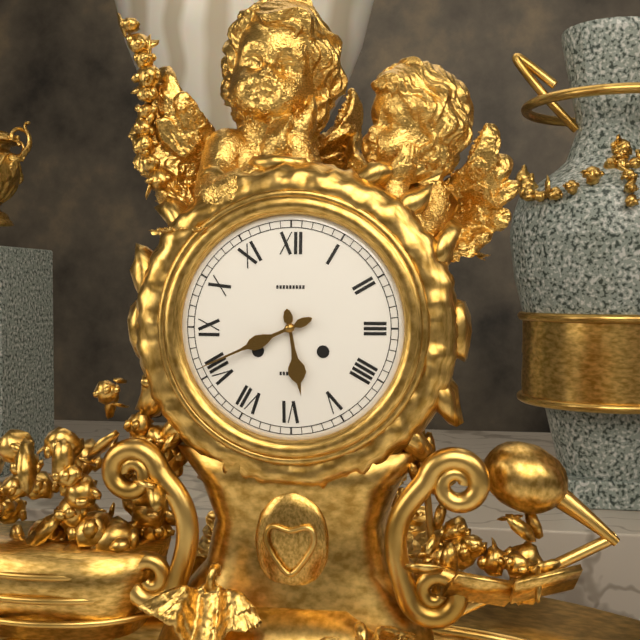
h=5 m=41
